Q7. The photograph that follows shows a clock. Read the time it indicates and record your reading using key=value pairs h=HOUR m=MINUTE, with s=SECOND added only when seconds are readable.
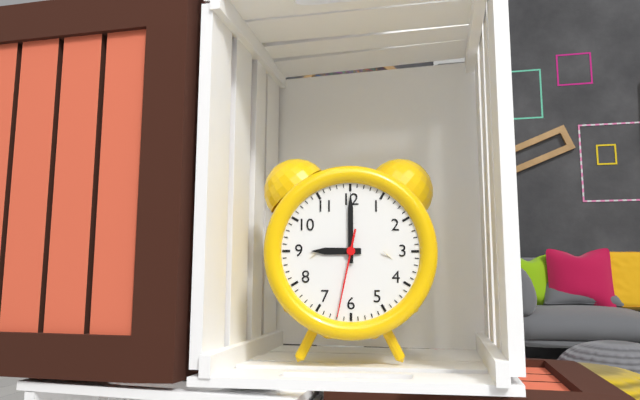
h=9 m=0 s=32
